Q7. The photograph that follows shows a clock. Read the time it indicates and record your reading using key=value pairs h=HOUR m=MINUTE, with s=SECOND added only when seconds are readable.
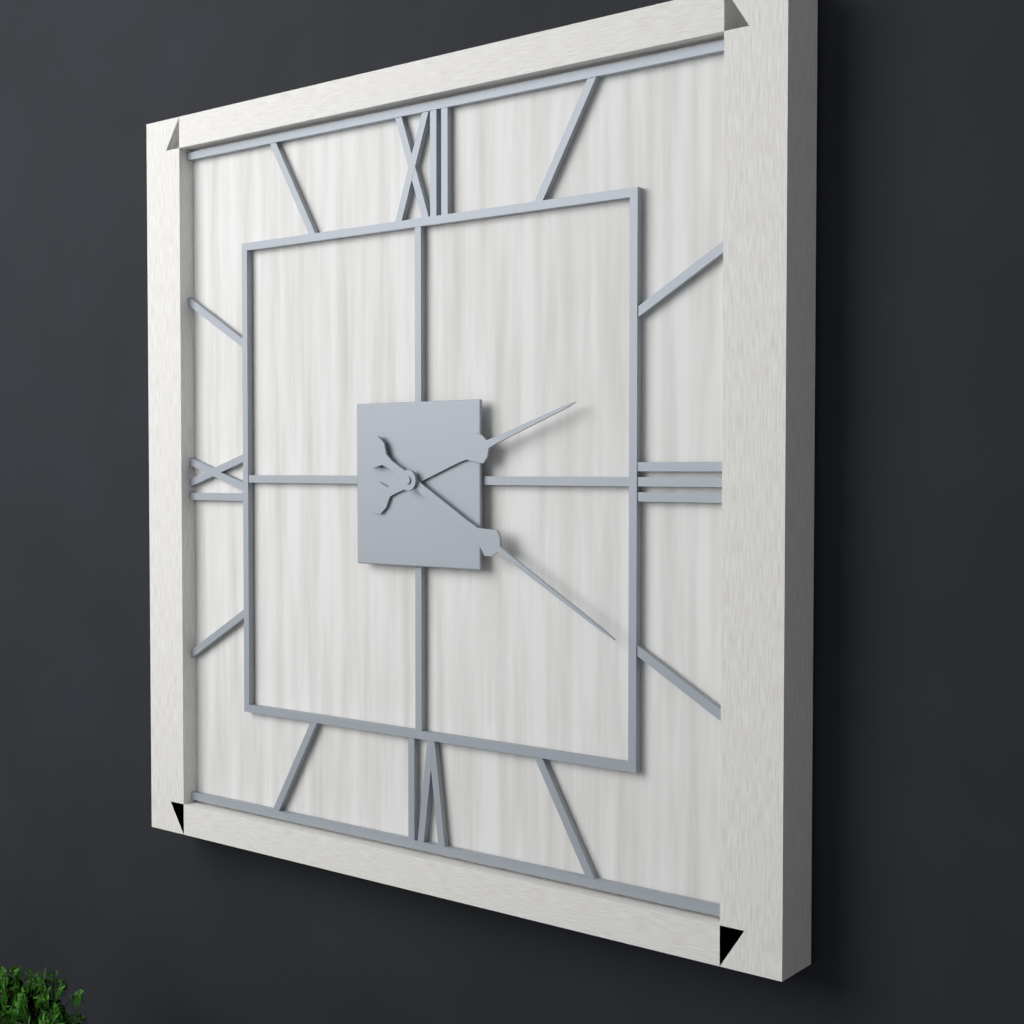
h=2 m=20
